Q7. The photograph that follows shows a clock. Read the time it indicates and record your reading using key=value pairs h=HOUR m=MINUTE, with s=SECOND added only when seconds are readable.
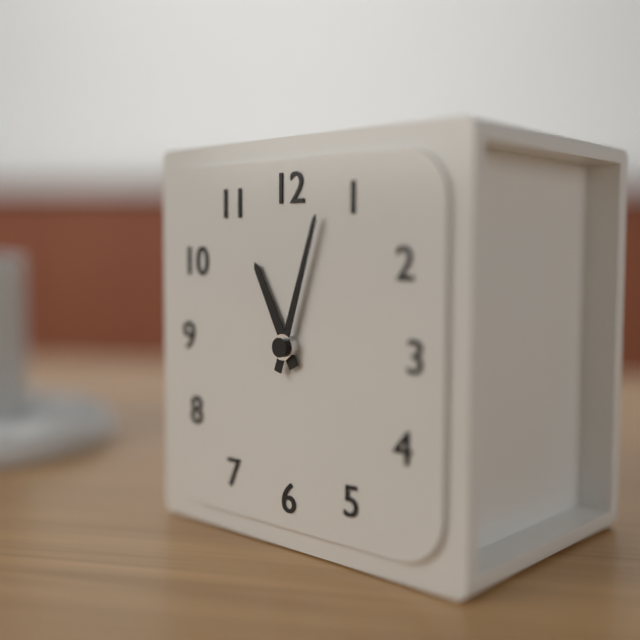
h=11 m=3
